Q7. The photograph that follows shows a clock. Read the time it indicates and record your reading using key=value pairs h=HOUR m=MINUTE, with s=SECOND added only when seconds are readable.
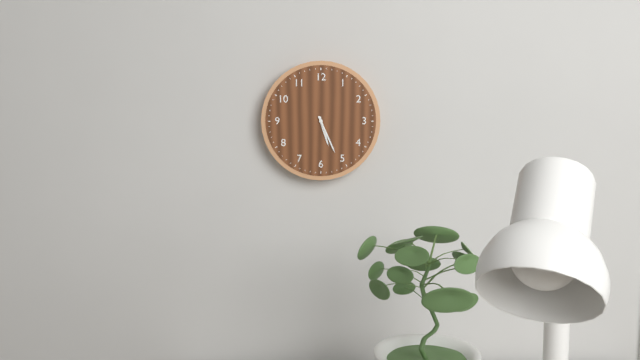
h=5 m=26
